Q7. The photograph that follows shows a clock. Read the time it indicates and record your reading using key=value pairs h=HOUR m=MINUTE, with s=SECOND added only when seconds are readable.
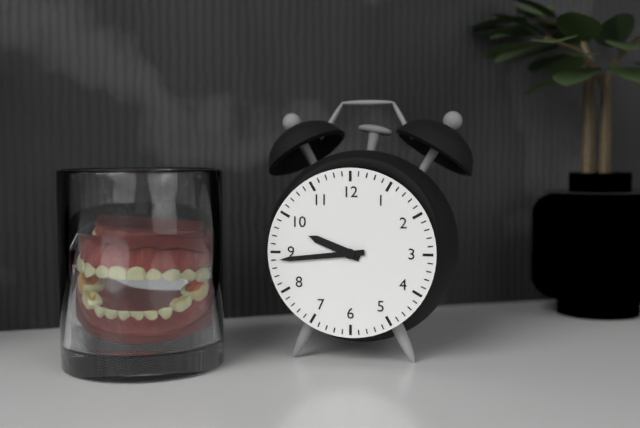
h=9 m=44
